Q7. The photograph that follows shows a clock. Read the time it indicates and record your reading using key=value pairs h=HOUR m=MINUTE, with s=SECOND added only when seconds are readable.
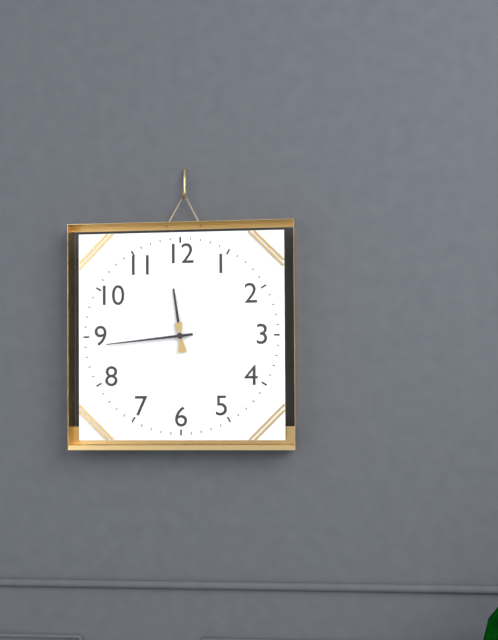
h=11 m=44
